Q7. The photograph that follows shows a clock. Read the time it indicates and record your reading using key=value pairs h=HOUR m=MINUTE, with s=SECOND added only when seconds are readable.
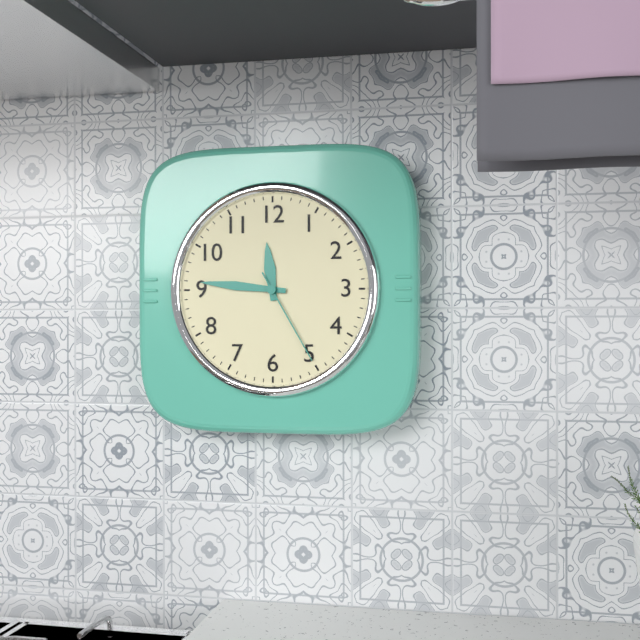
h=11 m=46 s=25
